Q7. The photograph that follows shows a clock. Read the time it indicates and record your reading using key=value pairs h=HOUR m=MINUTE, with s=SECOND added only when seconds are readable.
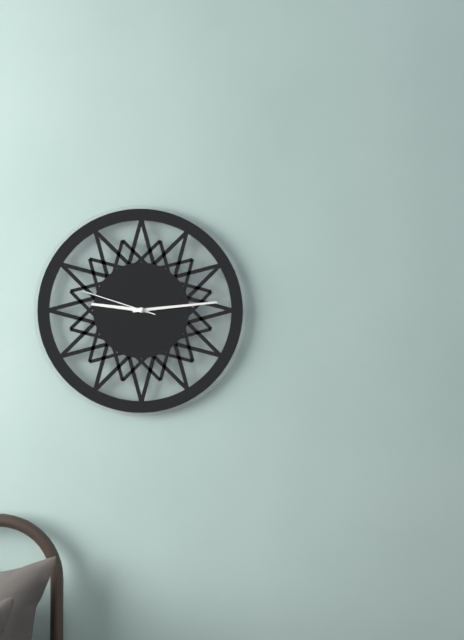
h=9 m=14 s=48
